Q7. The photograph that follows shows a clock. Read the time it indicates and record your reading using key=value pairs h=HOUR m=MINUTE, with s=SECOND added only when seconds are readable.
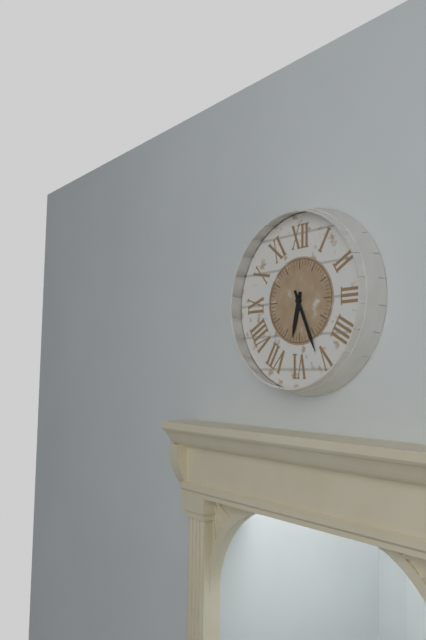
h=6 m=26
